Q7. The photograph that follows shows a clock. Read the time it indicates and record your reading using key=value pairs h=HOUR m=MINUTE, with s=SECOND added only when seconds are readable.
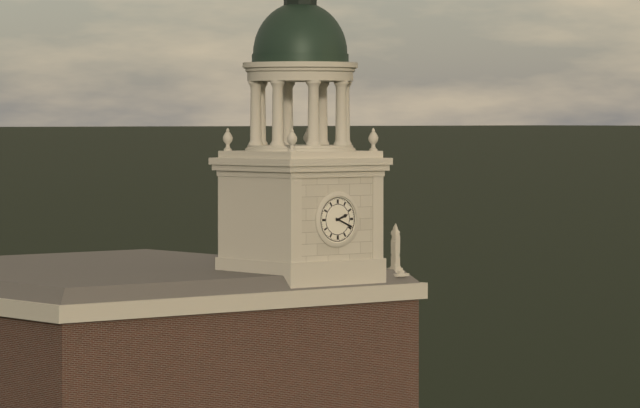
h=2 m=19
